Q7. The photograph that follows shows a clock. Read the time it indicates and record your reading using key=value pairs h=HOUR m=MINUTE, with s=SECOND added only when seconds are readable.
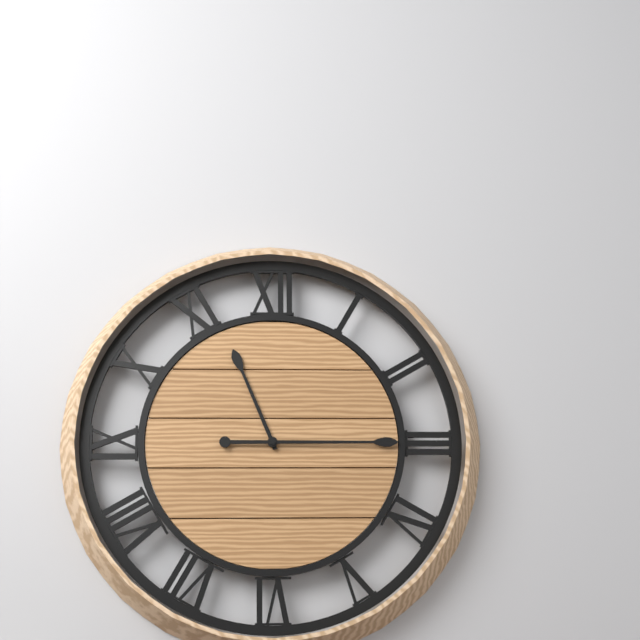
h=11 m=15
